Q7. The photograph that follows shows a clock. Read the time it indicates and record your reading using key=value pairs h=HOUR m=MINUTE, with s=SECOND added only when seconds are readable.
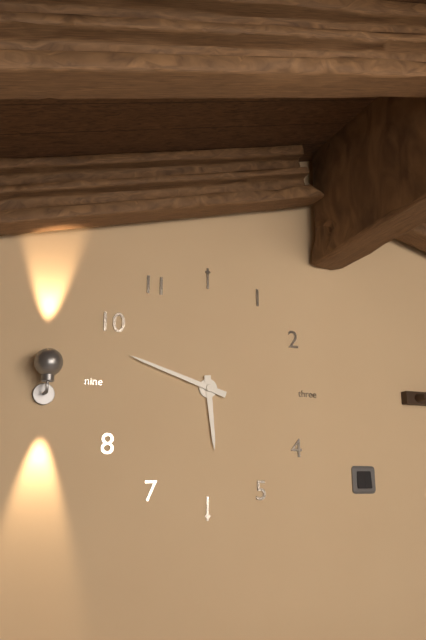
h=5 m=48
